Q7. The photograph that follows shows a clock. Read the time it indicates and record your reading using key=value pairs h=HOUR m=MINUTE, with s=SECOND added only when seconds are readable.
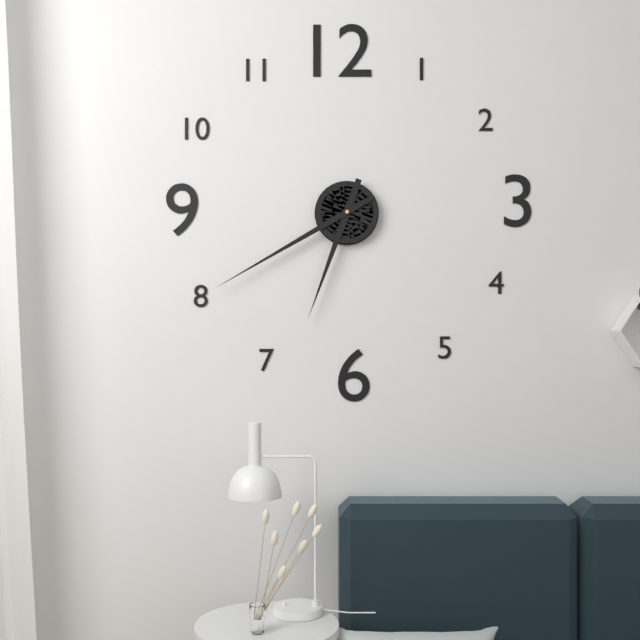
h=6 m=40
